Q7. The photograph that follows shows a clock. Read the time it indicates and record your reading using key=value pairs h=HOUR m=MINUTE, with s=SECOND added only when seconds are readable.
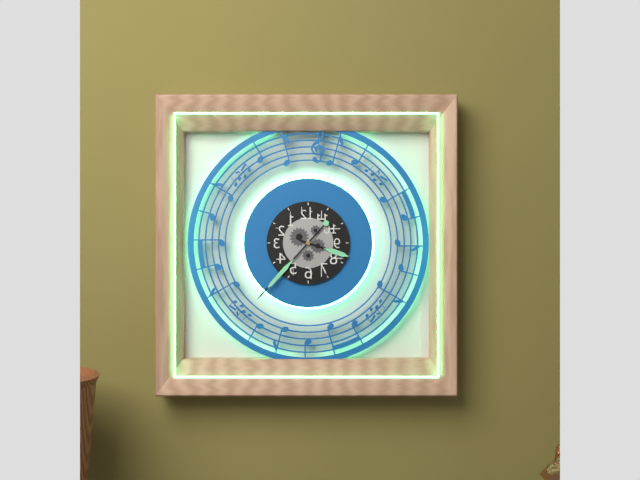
h=3 m=37
